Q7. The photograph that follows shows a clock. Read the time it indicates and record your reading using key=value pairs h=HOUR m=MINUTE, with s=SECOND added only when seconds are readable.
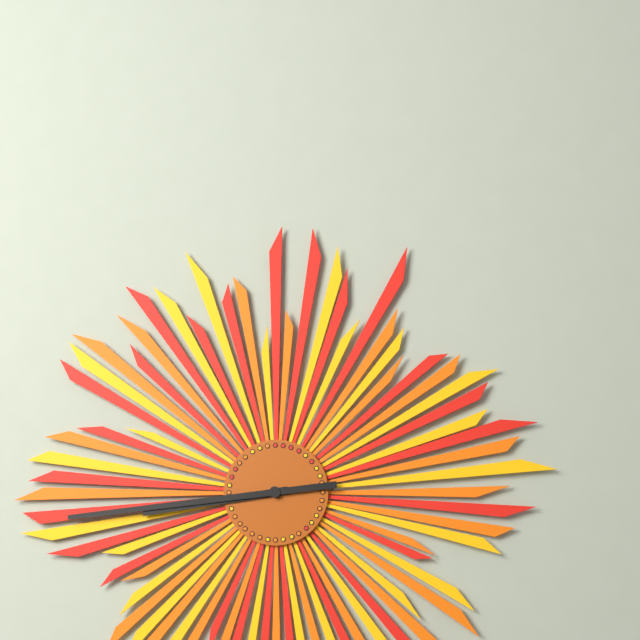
h=8 m=44
